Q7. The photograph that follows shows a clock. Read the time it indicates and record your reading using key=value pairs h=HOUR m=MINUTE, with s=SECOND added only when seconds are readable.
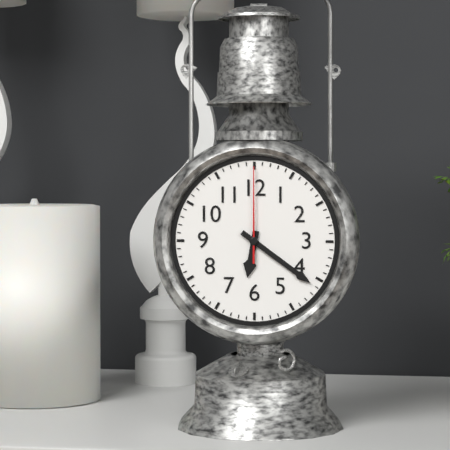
h=6 m=21 s=0
